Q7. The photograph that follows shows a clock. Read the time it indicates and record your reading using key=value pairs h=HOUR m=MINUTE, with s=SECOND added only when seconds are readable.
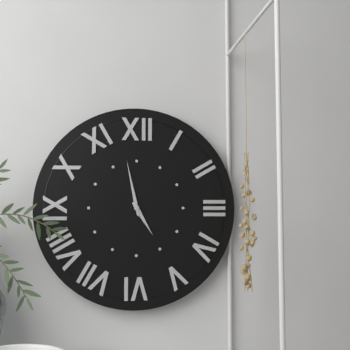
h=4 m=58
